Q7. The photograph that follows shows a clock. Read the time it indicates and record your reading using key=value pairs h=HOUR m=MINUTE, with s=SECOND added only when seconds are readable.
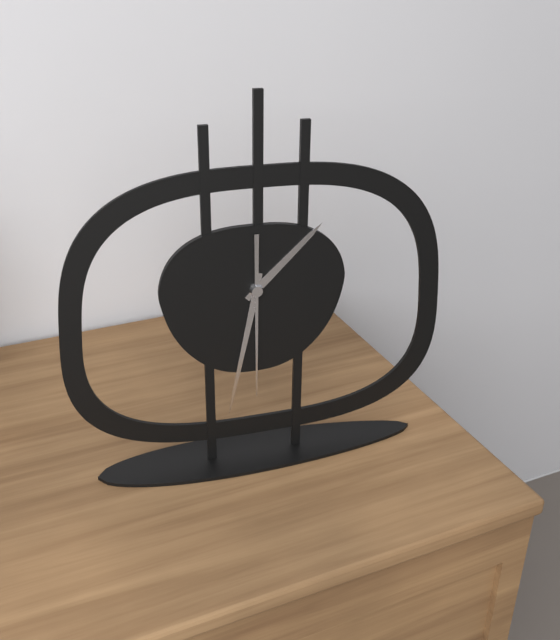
h=1 m=32 s=30
